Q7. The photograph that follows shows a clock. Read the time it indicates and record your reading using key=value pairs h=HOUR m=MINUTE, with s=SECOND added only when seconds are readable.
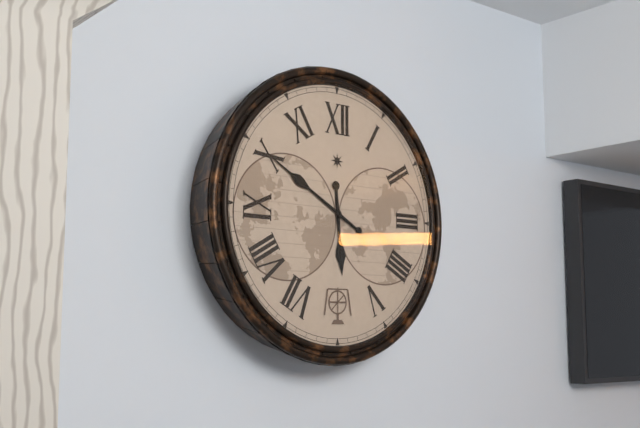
h=5 m=50
